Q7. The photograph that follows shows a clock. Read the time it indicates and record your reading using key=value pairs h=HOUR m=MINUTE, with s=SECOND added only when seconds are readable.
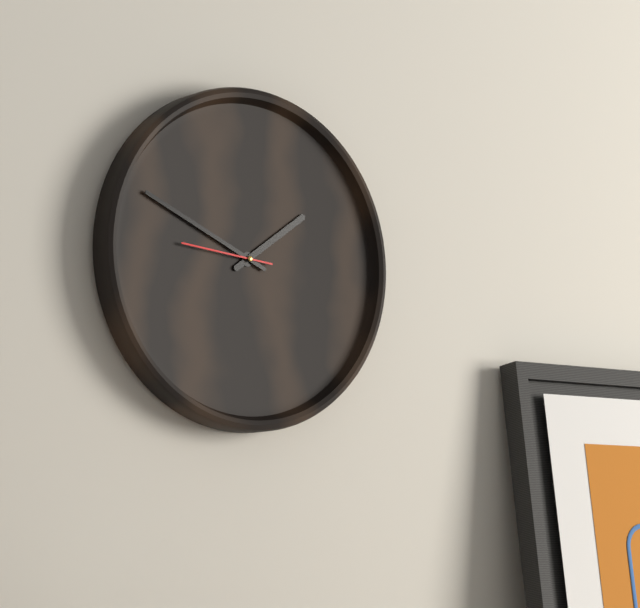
h=1 m=49 s=46
